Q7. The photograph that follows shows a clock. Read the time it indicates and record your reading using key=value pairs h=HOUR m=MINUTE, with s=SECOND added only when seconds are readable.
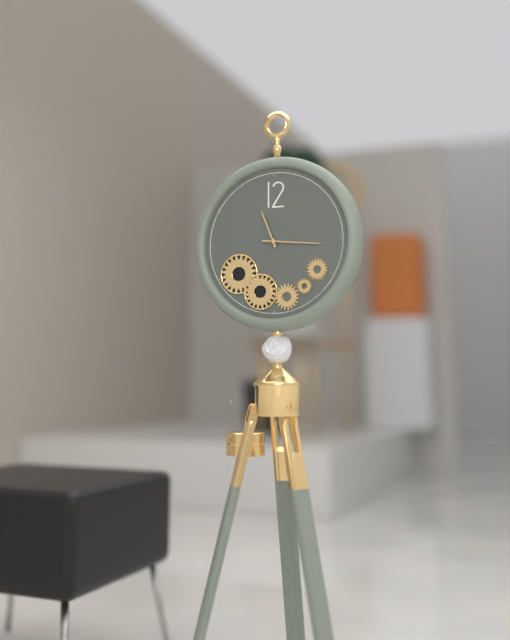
h=11 m=16
